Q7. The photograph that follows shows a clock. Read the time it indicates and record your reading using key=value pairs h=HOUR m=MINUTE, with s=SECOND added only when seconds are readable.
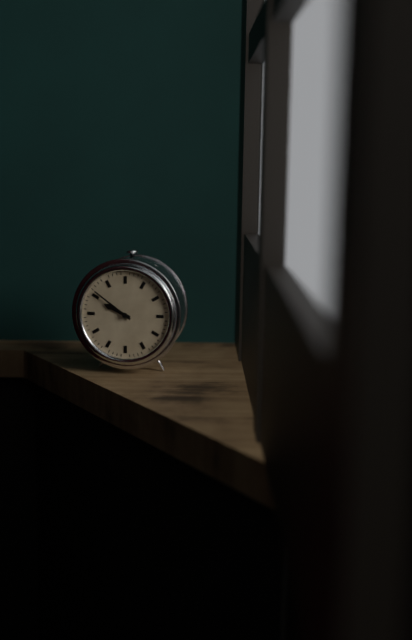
h=9 m=51
